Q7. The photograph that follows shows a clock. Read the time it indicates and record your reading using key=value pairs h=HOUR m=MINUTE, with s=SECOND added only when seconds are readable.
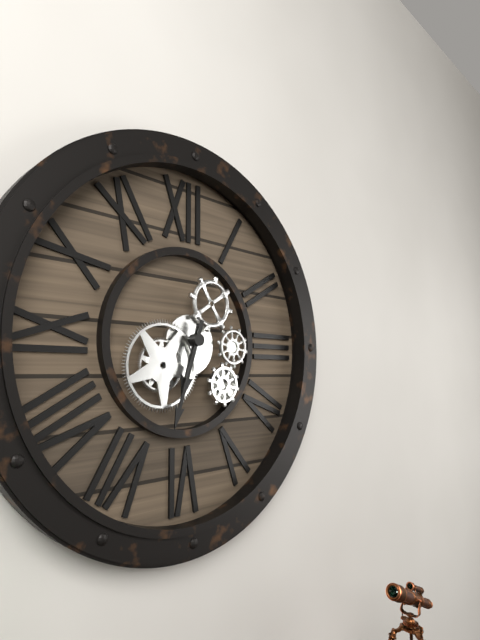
h=6 m=33
